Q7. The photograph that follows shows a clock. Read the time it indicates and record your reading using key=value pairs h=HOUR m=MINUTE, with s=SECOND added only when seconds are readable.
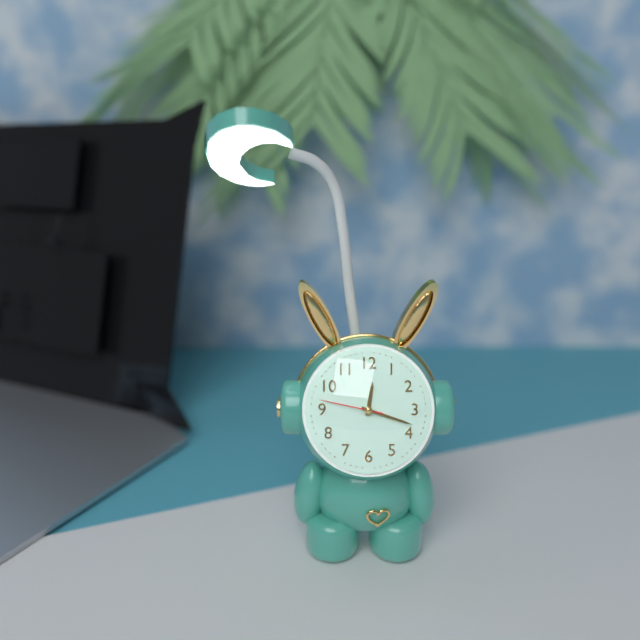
h=12 m=18 s=47
